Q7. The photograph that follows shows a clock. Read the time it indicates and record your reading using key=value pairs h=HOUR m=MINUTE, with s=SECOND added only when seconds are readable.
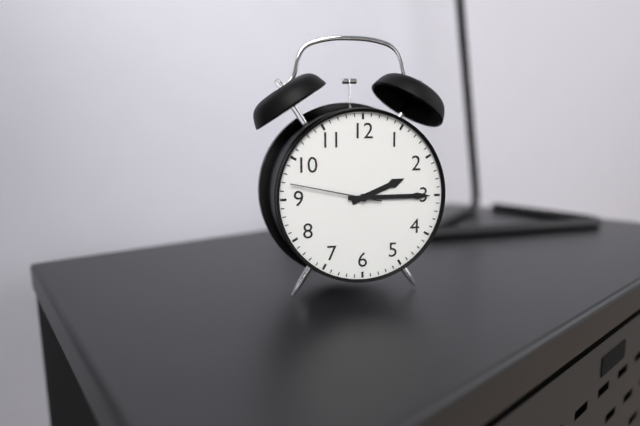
h=2 m=15 s=47
